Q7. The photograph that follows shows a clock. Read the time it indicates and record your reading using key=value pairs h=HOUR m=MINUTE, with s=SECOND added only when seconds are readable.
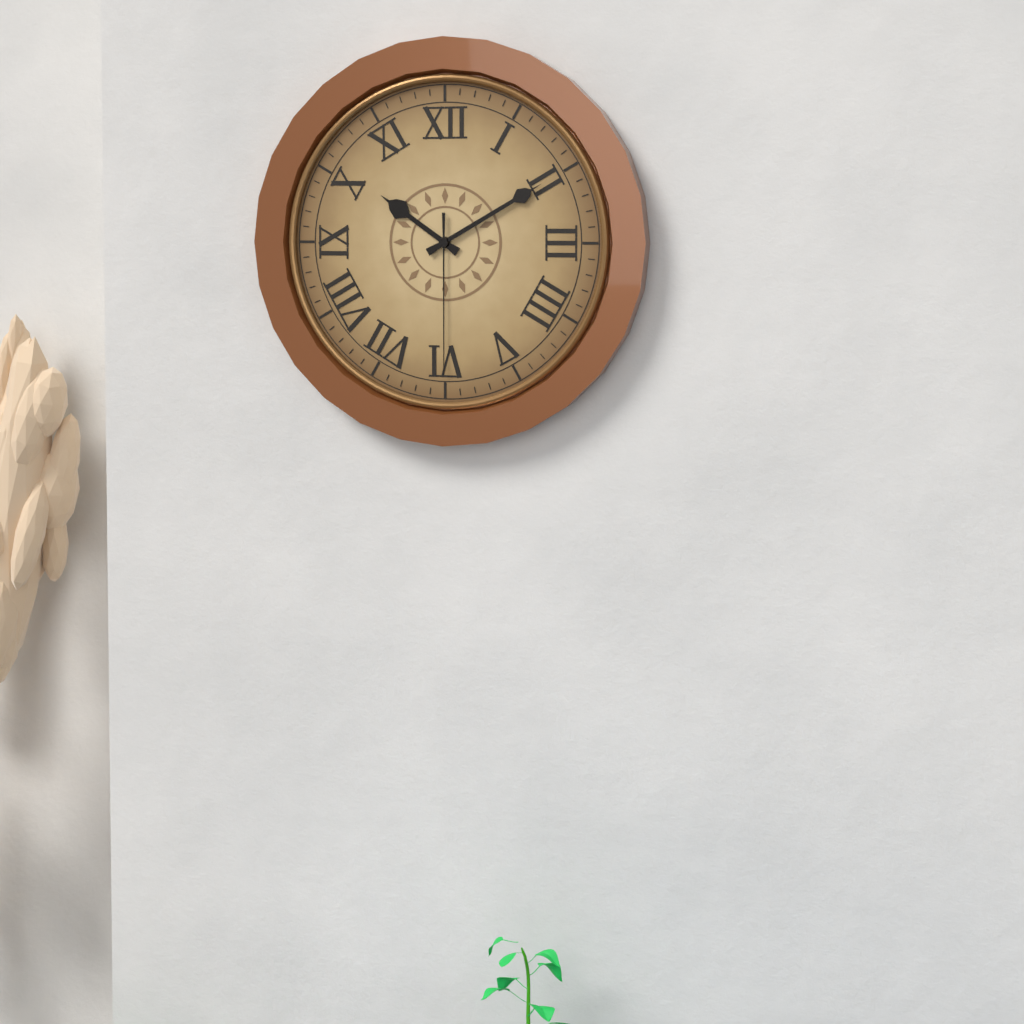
h=10 m=10 s=30
